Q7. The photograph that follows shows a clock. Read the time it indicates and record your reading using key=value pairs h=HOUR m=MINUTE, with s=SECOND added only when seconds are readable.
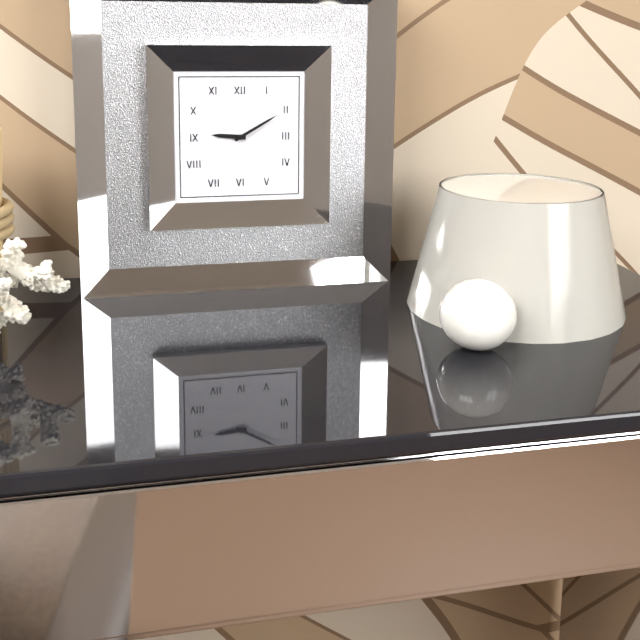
h=9 m=10
